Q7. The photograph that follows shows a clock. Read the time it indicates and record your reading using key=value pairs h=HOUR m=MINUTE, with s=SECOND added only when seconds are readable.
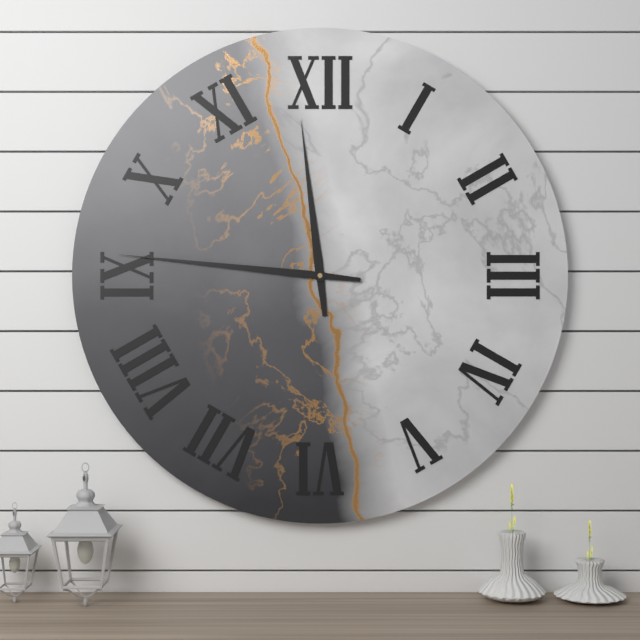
h=11 m=46
